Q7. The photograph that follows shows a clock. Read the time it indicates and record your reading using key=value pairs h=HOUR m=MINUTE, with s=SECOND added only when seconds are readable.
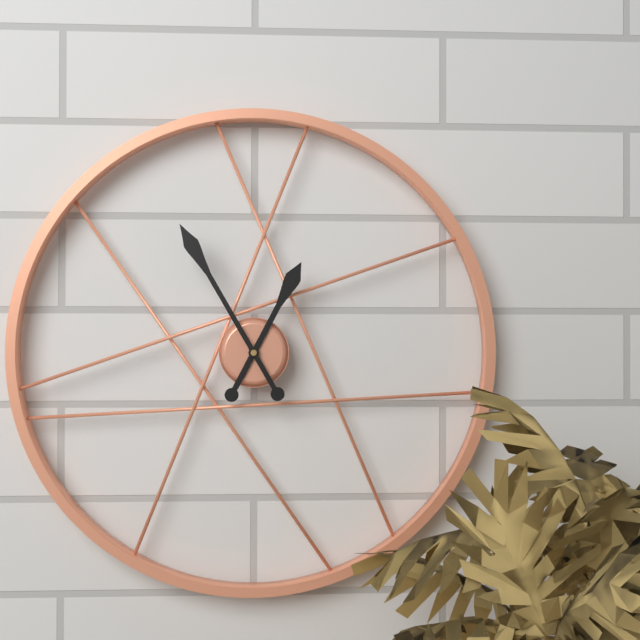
h=12 m=55
